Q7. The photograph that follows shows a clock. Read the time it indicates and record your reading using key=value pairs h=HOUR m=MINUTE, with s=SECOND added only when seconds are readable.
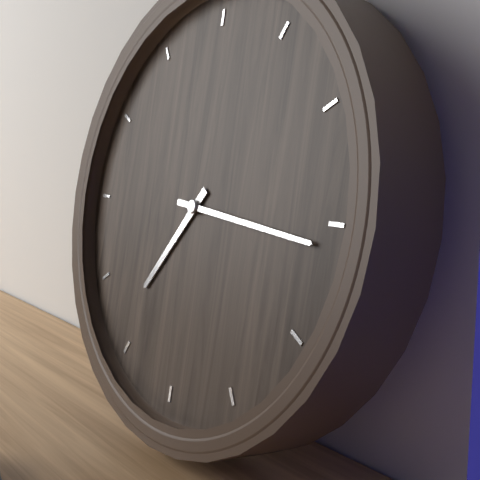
h=7 m=16
